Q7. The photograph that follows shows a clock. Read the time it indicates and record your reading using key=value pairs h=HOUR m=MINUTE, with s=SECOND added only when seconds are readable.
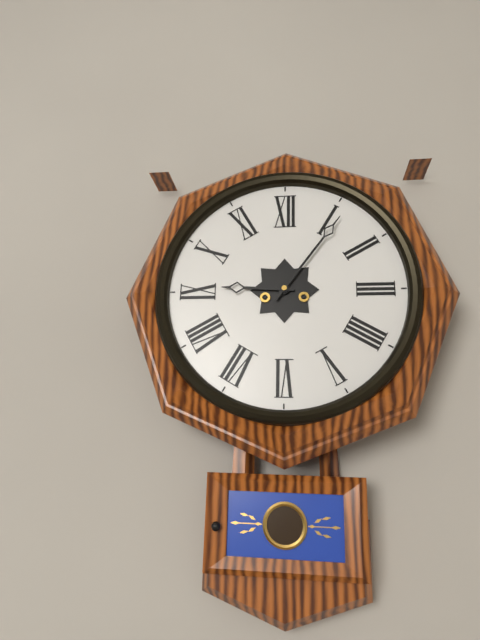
h=9 m=6
